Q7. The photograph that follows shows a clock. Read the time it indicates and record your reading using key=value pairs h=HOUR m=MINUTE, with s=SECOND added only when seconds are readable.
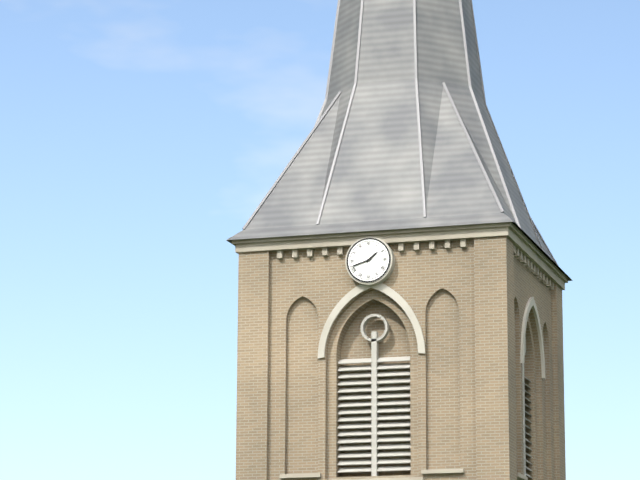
h=1 m=42
